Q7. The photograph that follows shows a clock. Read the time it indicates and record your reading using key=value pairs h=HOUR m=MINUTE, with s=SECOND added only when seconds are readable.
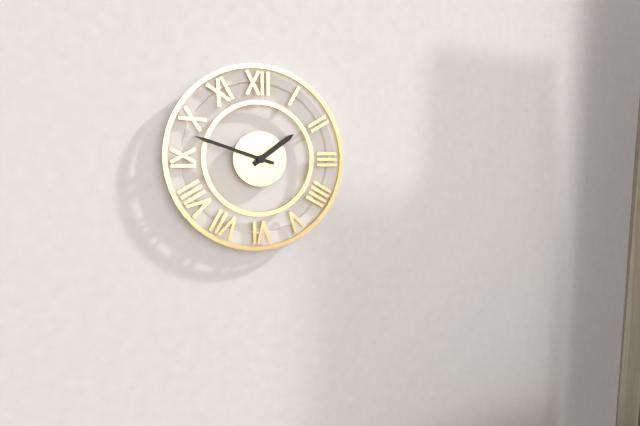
h=1 m=48
